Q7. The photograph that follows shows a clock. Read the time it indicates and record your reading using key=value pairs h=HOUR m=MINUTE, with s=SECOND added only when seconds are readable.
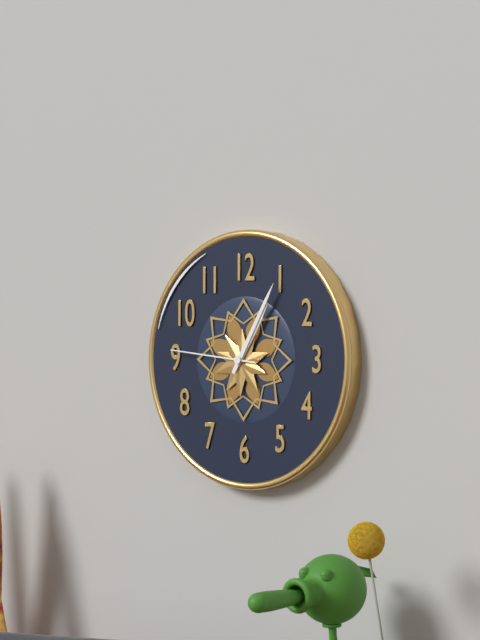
h=1 m=5 s=46
